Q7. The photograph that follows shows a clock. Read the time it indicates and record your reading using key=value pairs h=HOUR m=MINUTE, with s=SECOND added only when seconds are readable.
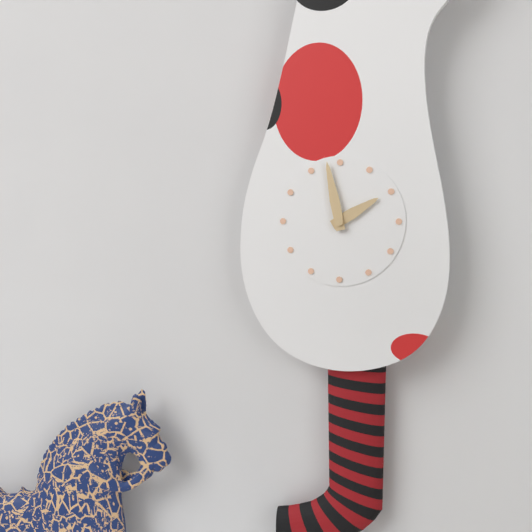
h=1 m=58
